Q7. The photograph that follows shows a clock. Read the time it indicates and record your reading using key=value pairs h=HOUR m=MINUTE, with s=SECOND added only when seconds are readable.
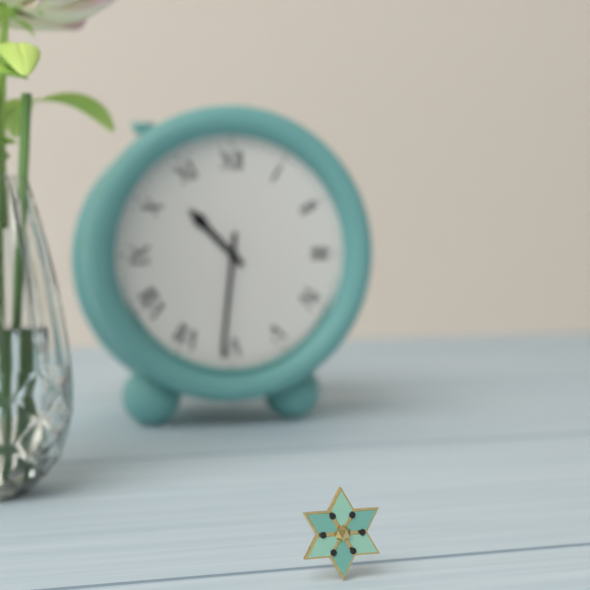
h=10 m=31
